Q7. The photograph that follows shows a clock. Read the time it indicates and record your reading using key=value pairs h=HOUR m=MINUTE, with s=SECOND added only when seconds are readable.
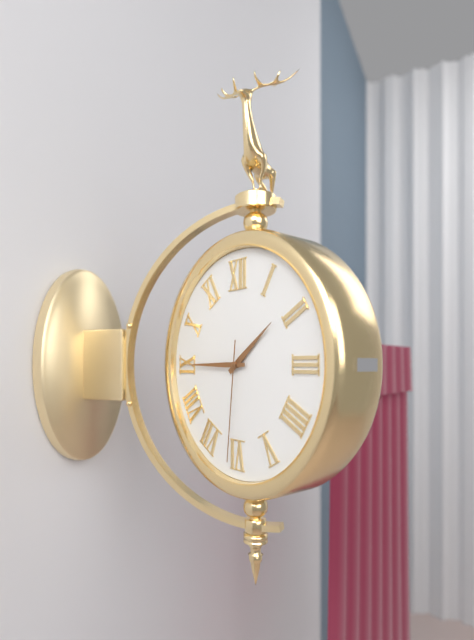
h=1 m=45 s=31
